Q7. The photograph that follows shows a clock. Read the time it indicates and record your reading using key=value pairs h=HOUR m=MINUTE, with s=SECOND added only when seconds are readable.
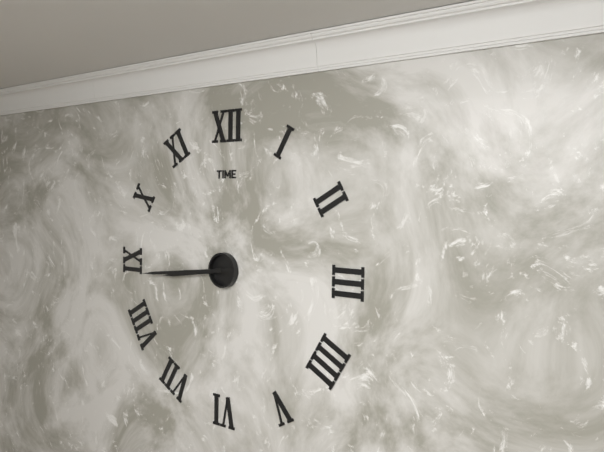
h=8 m=44
